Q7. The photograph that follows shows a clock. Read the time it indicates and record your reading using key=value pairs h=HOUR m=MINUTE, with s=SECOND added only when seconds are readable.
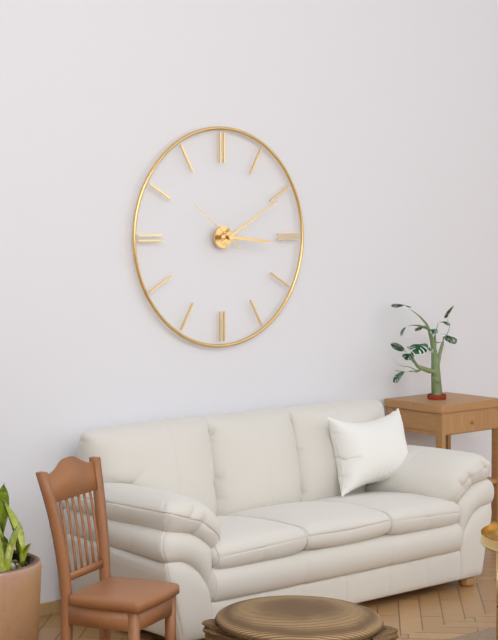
h=3 m=10 s=51
